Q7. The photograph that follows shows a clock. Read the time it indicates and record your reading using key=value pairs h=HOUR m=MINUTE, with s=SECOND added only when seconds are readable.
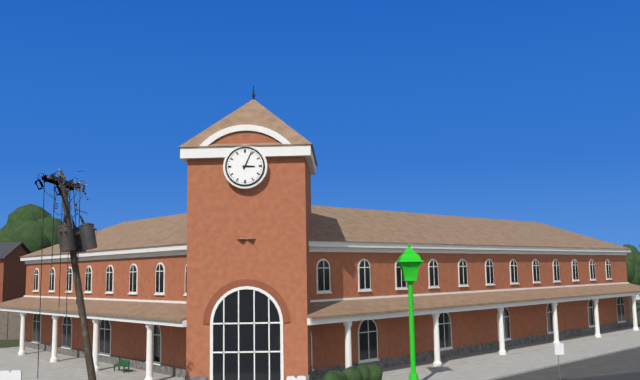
h=3 m=4
